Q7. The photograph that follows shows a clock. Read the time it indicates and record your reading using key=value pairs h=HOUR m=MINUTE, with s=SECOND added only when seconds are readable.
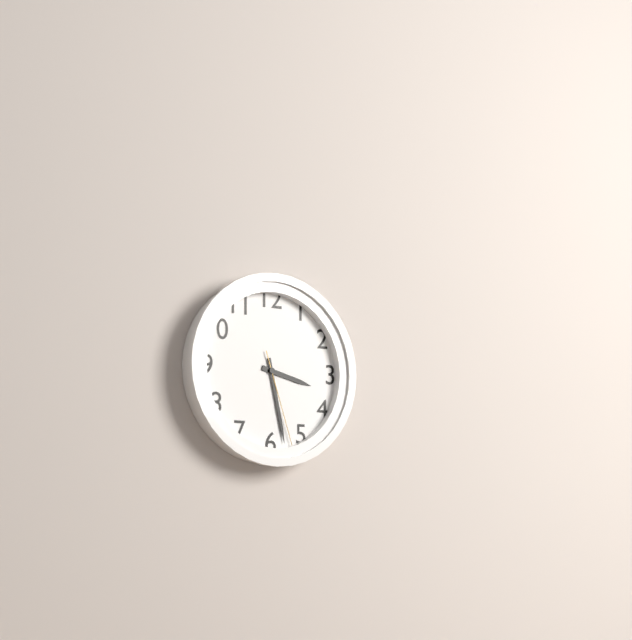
h=3 m=28 s=27
